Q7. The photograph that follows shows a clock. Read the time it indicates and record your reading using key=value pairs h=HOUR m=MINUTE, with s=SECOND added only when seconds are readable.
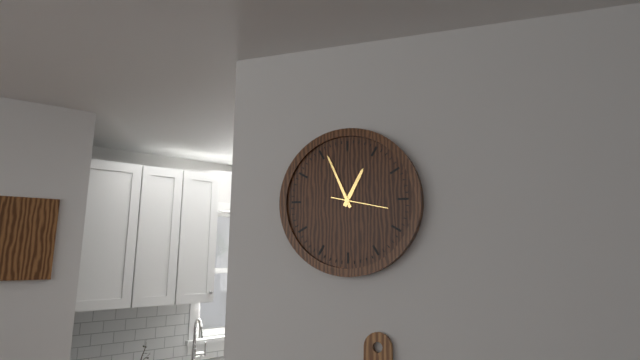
h=12 m=56 s=17
